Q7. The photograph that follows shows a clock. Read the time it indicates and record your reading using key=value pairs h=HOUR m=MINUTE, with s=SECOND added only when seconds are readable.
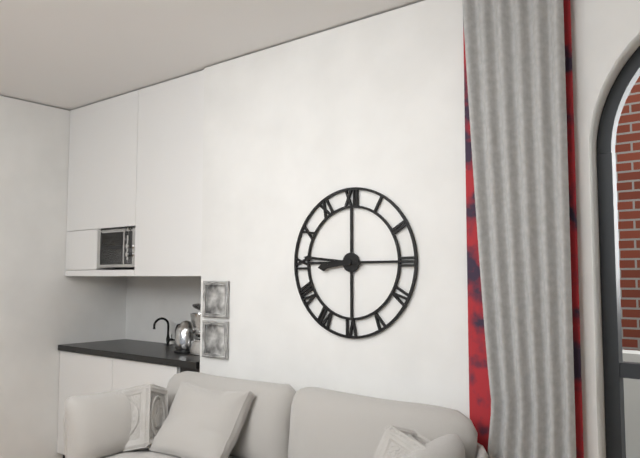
h=8 m=46
